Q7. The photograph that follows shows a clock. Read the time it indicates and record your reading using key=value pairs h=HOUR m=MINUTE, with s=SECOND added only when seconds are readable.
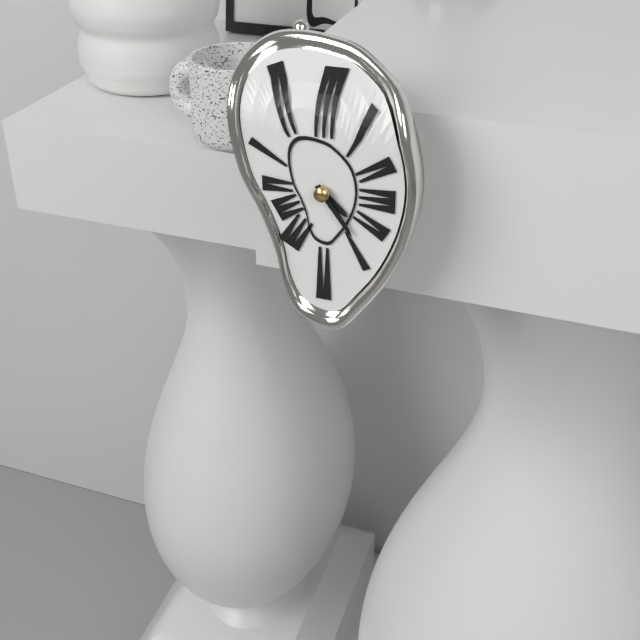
h=4 m=24
